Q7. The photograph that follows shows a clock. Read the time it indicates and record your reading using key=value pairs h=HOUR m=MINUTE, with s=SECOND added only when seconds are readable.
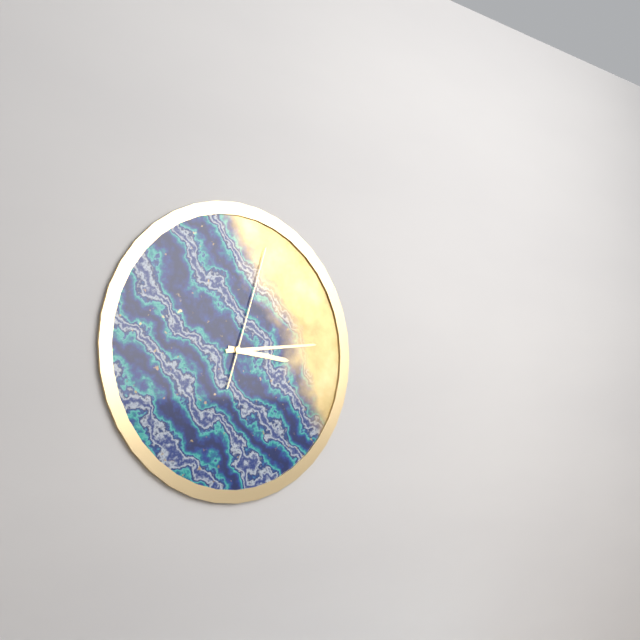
h=3 m=14 s=3
